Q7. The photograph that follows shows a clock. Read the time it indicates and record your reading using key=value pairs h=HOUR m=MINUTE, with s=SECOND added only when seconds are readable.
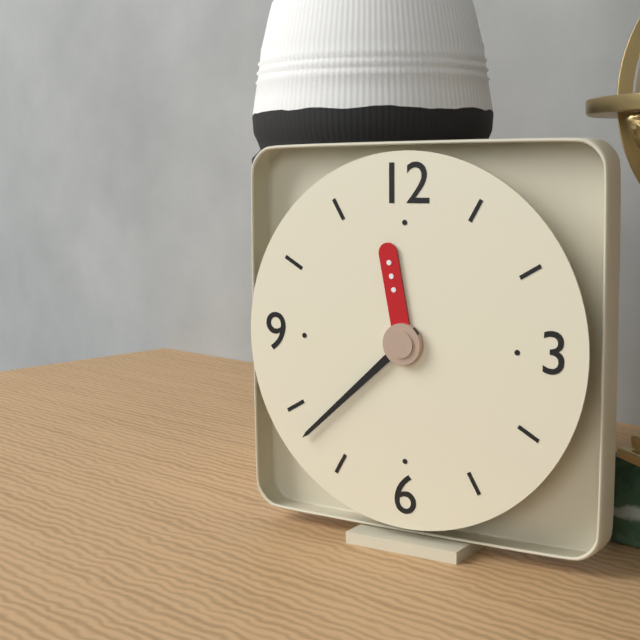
h=11 m=38
